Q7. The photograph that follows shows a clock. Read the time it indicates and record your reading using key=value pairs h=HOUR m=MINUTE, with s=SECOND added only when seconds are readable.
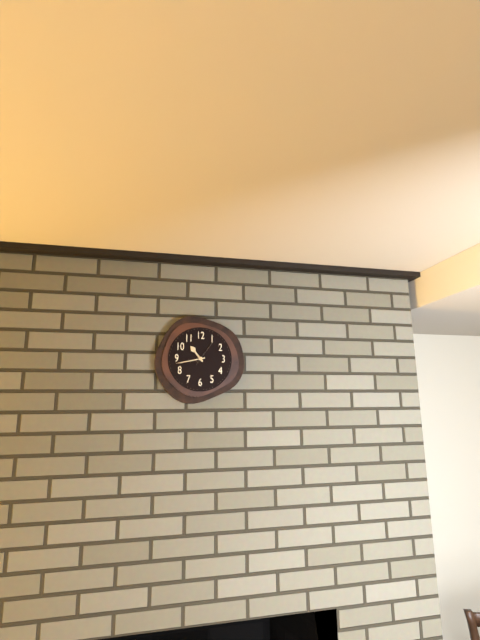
h=10 m=43
